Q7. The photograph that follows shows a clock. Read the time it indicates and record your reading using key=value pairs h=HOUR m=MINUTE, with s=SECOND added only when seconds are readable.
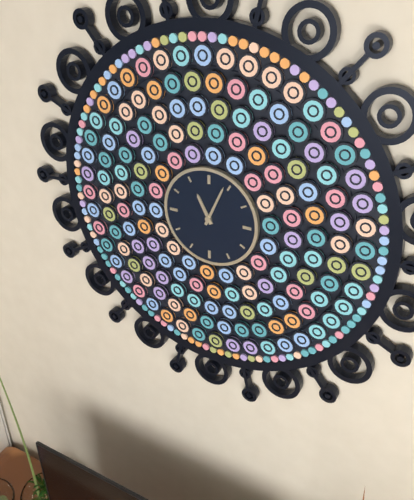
h=11 m=4
